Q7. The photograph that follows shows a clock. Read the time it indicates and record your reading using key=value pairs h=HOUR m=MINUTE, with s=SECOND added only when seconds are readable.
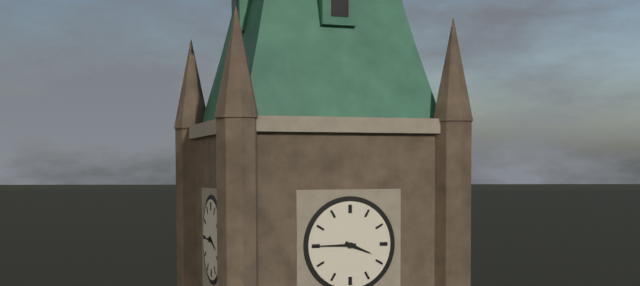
h=3 m=45
